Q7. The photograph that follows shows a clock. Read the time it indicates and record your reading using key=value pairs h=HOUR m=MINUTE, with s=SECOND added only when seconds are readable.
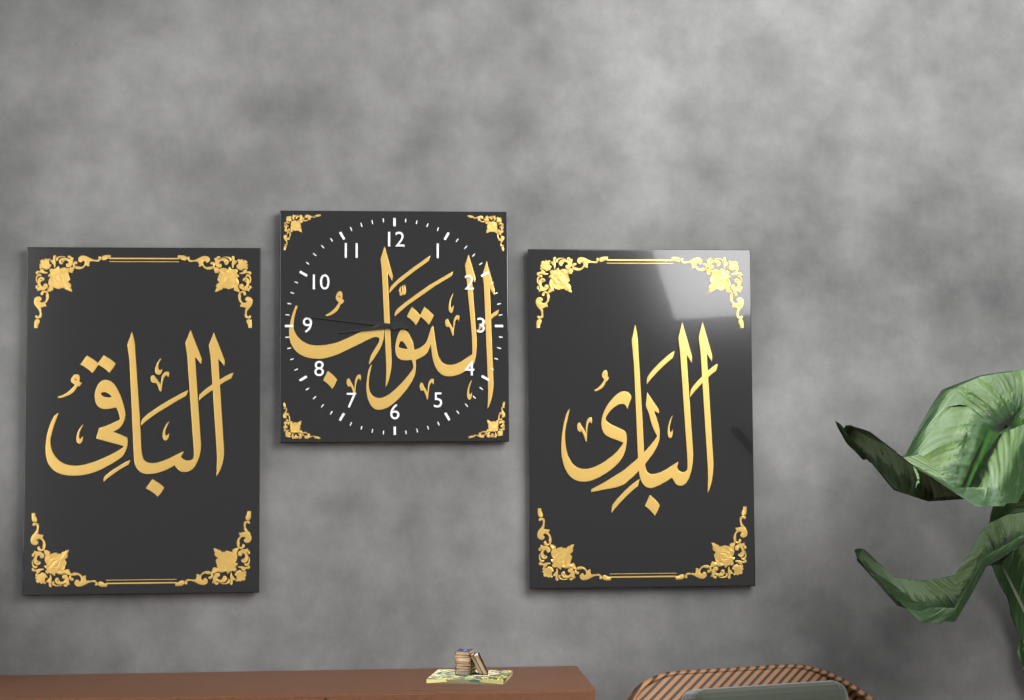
h=8 m=46
